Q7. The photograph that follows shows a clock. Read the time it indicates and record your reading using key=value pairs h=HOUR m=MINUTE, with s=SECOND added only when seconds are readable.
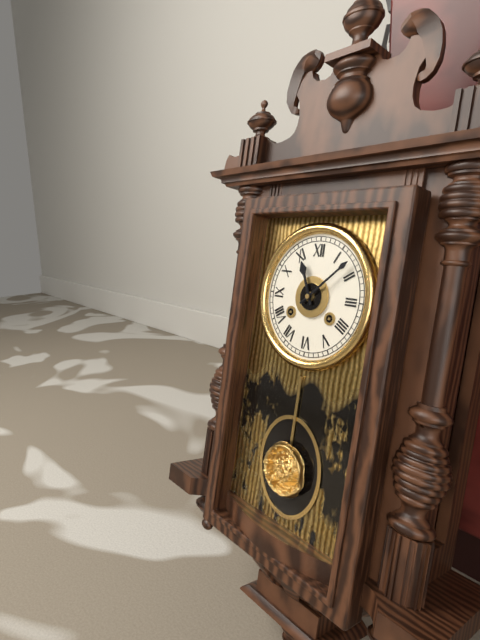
h=11 m=8
